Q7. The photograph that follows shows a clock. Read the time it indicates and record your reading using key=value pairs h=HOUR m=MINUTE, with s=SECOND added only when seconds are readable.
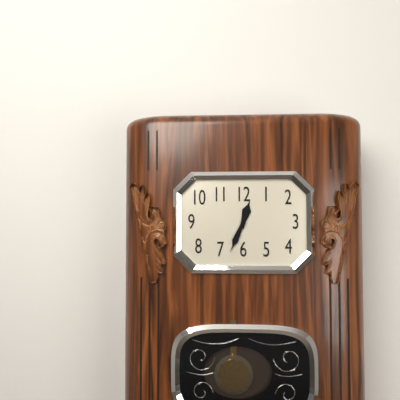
h=12 m=34
